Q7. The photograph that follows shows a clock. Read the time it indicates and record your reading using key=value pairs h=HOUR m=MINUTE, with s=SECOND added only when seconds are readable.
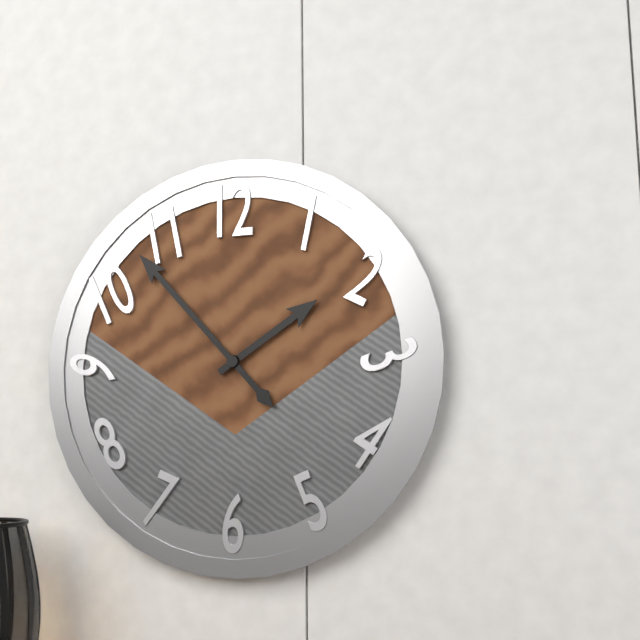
h=1 m=53
